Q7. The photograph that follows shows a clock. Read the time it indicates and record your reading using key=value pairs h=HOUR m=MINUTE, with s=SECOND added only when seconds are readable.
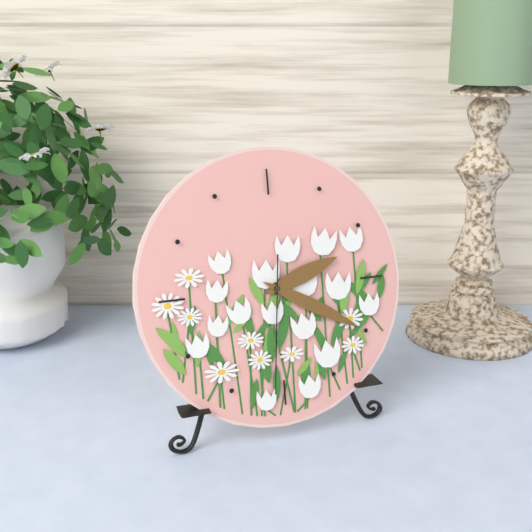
h=2 m=20 s=31
